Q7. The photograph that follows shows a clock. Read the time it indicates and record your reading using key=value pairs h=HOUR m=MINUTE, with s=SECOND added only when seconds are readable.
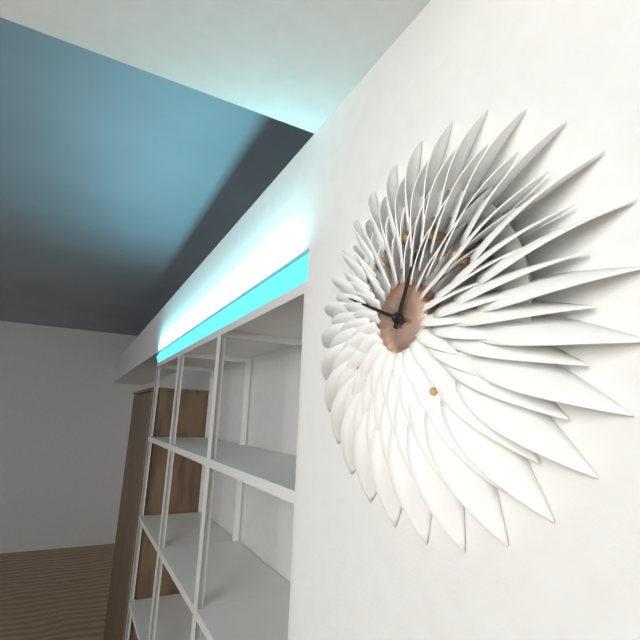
h=12 m=49
